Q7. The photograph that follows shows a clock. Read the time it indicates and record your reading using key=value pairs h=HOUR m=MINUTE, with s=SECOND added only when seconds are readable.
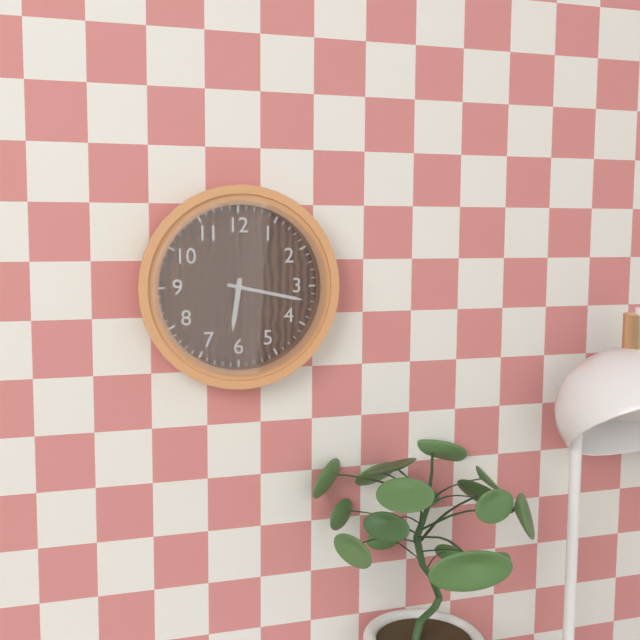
h=6 m=17
